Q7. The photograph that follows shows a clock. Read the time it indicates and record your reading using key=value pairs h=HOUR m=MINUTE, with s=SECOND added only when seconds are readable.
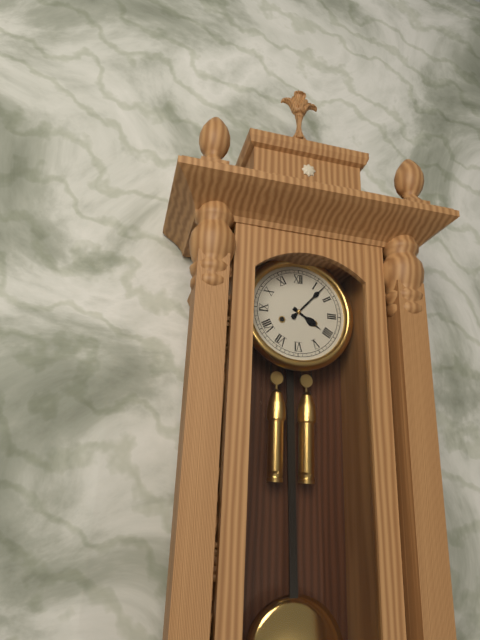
h=4 m=7
